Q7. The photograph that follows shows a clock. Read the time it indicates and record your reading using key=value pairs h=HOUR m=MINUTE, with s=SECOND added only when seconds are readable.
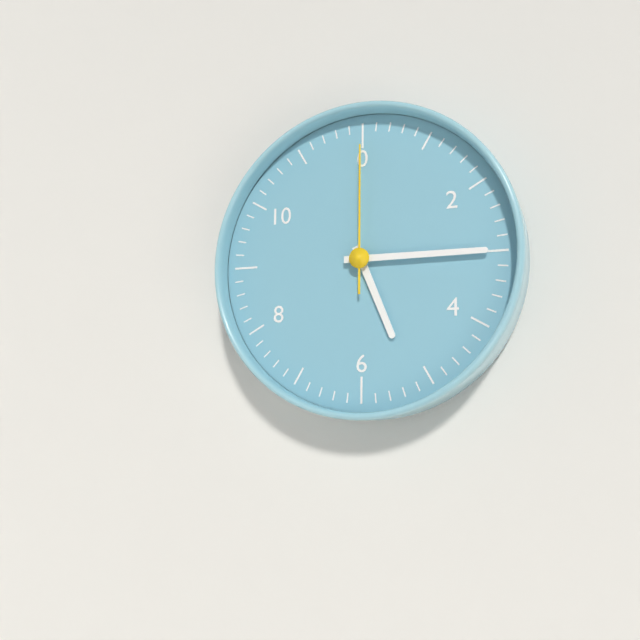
h=5 m=15 s=0
